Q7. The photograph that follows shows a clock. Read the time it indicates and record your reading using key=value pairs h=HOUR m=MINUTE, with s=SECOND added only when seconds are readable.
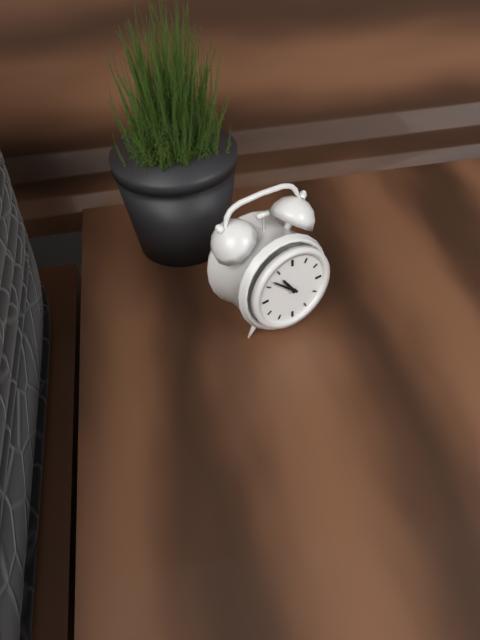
h=10 m=52
